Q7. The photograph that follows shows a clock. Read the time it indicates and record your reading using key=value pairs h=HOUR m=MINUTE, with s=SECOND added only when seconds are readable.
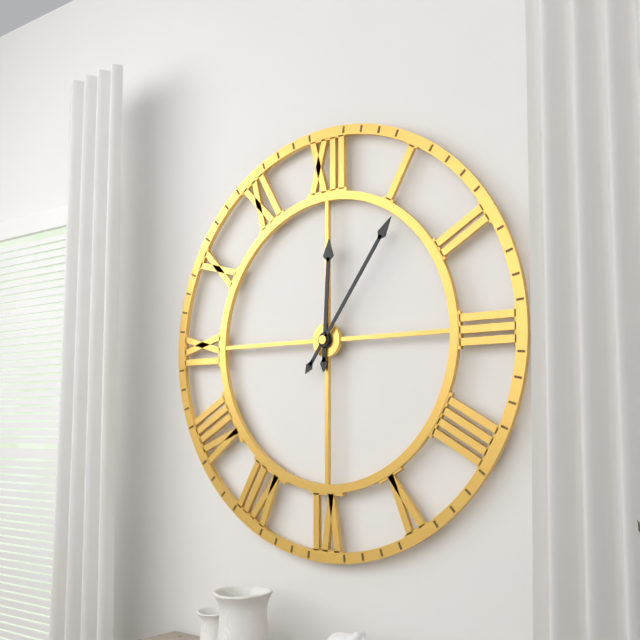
h=12 m=6
